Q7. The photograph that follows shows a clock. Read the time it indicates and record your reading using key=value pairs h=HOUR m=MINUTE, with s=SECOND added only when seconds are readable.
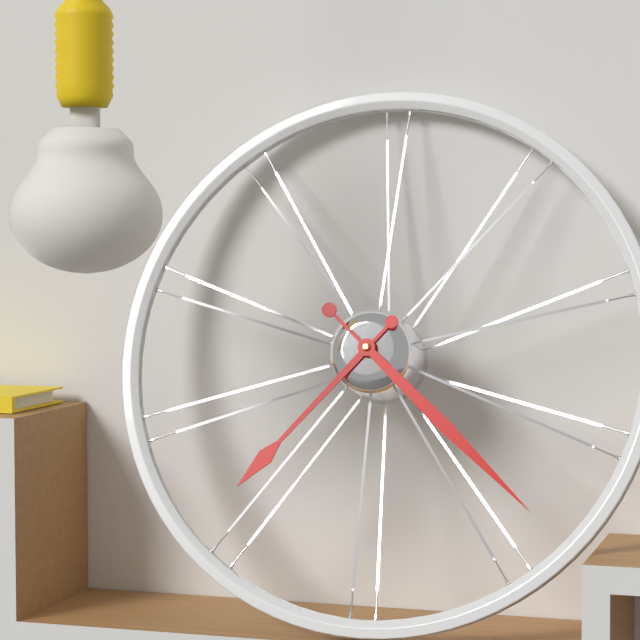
h=7 m=22
